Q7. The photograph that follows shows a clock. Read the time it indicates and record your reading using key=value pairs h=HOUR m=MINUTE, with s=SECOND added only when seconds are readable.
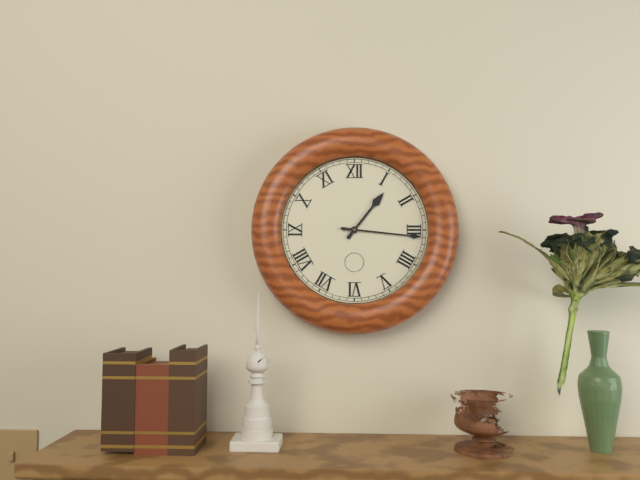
h=1 m=16
